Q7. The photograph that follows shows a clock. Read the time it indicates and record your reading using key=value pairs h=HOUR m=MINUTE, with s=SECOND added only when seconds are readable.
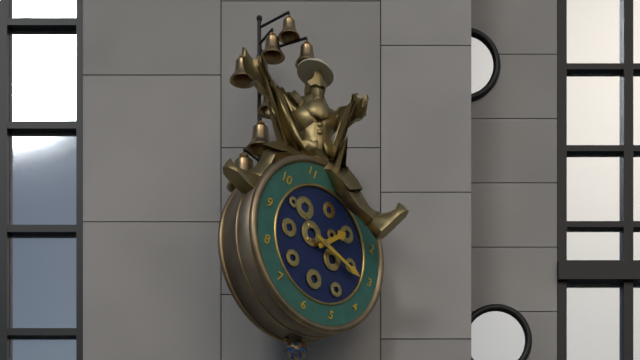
h=1 m=16
